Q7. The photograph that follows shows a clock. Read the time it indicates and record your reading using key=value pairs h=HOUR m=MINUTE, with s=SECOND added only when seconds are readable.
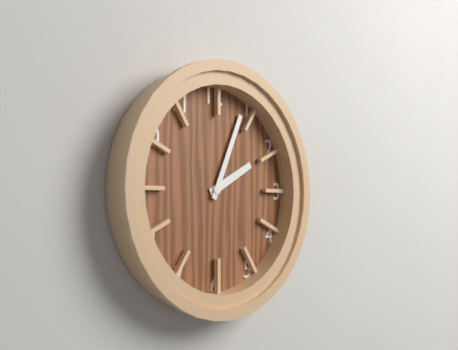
h=2 m=4
